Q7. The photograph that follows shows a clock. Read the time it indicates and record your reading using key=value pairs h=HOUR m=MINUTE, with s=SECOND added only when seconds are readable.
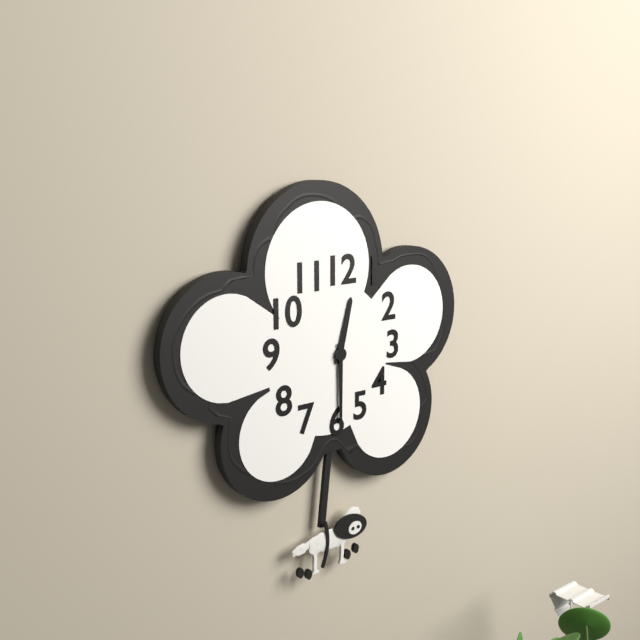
h=12 m=30
